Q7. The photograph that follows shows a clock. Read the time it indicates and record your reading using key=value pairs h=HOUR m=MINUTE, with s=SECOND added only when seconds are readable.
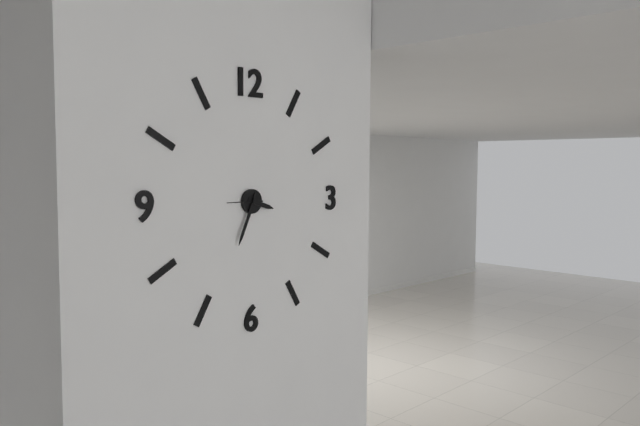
h=3 m=34
